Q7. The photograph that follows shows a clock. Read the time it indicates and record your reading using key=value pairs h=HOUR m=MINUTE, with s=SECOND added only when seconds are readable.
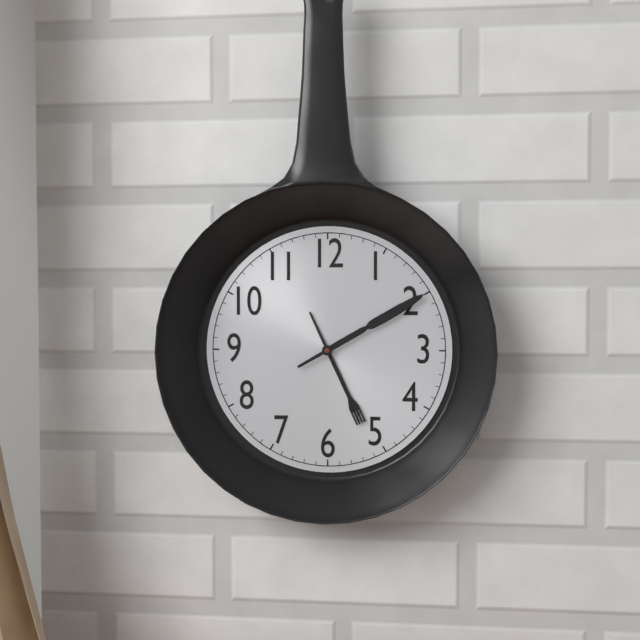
h=5 m=10
